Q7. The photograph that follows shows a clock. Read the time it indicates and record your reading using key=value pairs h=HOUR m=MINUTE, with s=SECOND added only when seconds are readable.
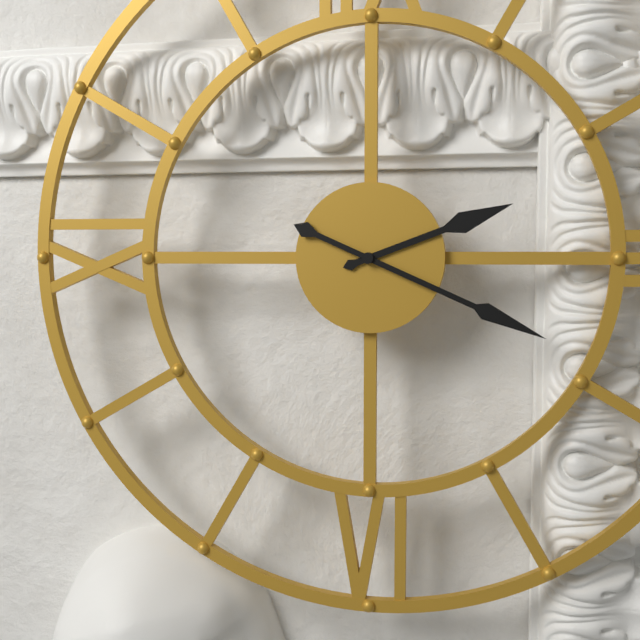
h=2 m=19
